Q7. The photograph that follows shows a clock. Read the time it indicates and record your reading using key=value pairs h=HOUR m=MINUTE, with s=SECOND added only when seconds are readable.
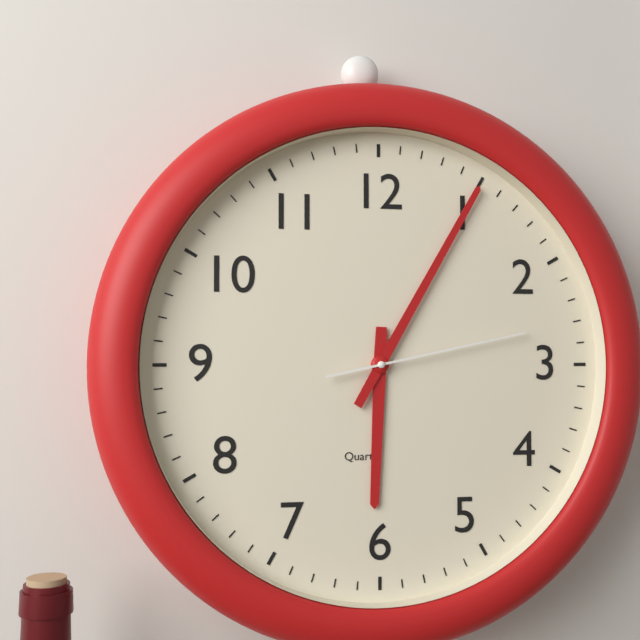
h=6 m=5 s=13
